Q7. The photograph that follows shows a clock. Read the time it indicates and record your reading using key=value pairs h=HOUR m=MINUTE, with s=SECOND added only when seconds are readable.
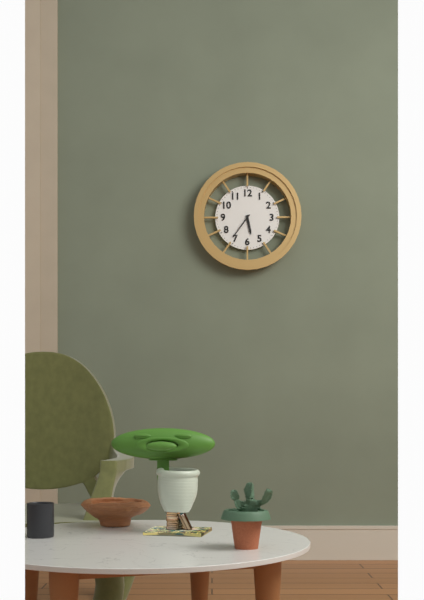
h=5 m=36
